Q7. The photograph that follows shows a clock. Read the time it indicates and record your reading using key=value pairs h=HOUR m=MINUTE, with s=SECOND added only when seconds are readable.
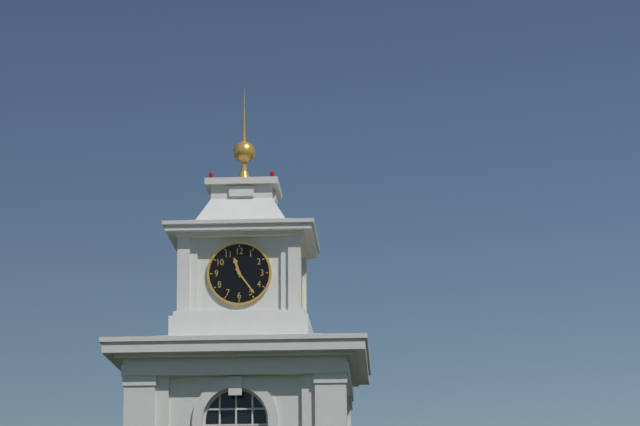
h=11 m=24
